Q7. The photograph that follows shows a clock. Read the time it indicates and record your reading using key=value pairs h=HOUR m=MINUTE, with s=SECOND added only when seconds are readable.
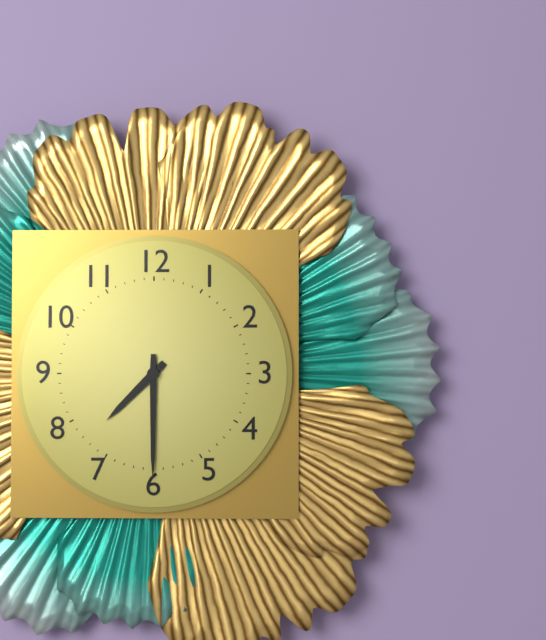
h=7 m=30
